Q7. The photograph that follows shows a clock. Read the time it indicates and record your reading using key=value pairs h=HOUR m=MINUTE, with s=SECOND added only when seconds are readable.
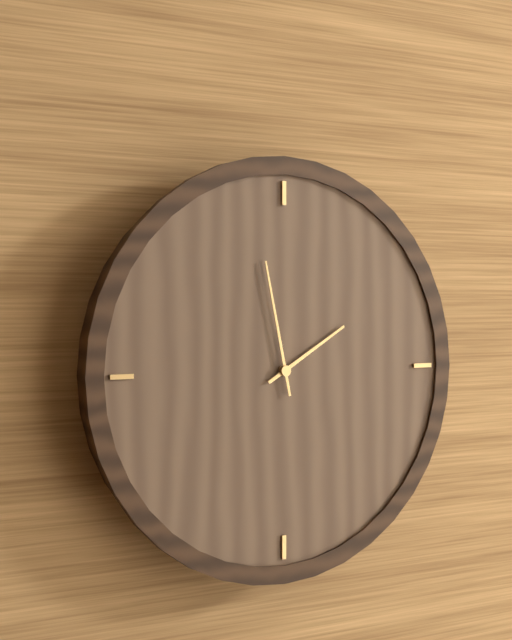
h=1 m=58
